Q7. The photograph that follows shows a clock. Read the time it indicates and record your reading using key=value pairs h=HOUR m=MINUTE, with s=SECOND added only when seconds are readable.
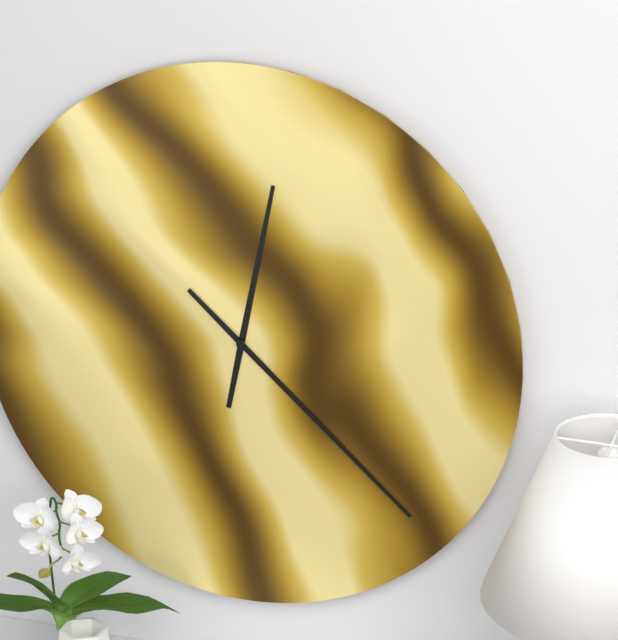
h=12 m=22
